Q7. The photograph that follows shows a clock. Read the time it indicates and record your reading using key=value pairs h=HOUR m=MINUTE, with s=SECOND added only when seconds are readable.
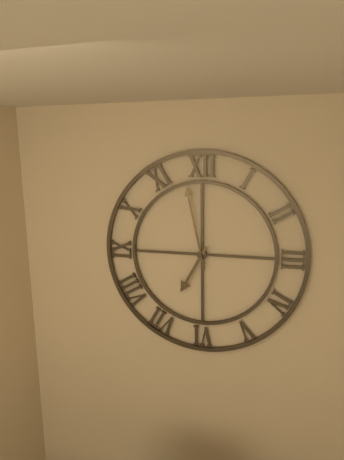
h=6 m=58
